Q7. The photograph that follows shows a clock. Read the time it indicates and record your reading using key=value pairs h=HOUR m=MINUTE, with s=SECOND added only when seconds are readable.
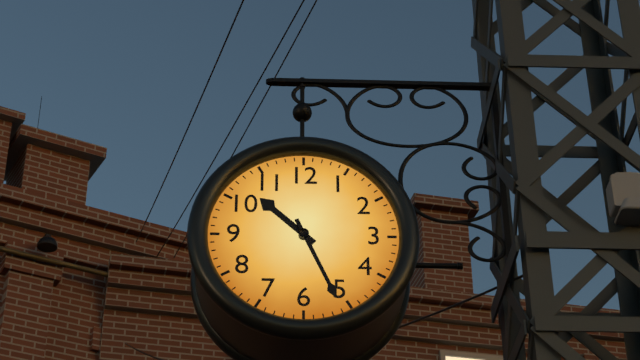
h=10 m=26
